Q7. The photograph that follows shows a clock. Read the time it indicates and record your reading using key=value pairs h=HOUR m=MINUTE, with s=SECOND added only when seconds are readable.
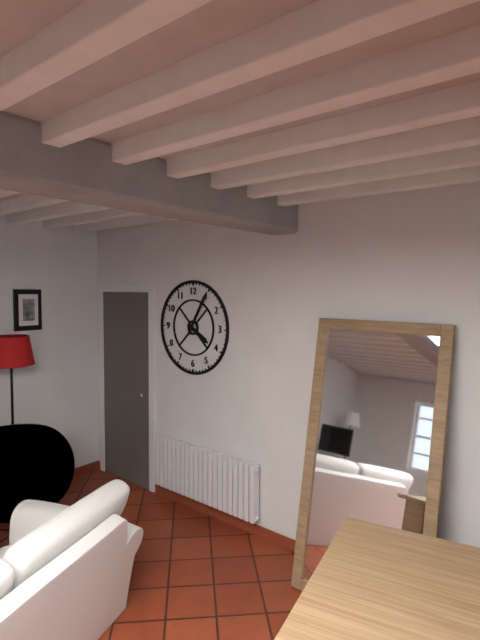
h=4 m=5
